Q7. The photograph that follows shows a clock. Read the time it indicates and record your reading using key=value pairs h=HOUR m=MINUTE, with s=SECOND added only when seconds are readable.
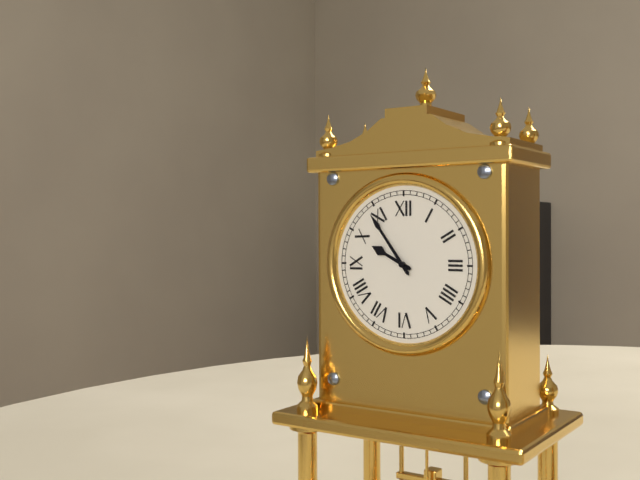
h=9 m=54
